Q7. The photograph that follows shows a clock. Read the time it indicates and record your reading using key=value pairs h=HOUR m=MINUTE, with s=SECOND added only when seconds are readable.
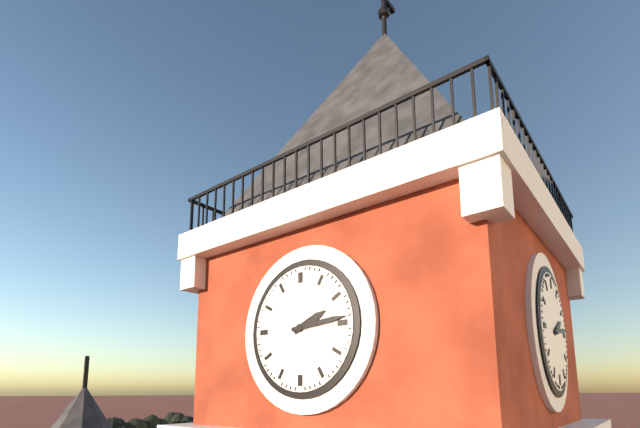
h=2 m=14
